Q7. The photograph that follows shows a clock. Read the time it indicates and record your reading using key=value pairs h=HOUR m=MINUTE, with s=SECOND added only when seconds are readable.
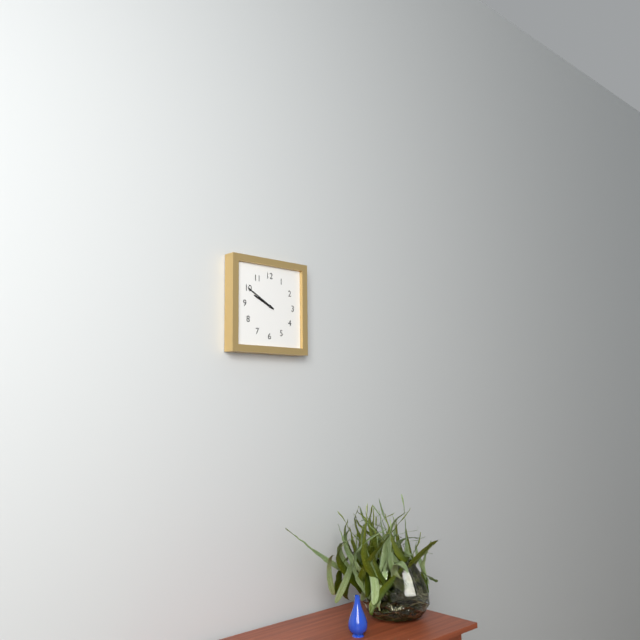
h=9 m=50
